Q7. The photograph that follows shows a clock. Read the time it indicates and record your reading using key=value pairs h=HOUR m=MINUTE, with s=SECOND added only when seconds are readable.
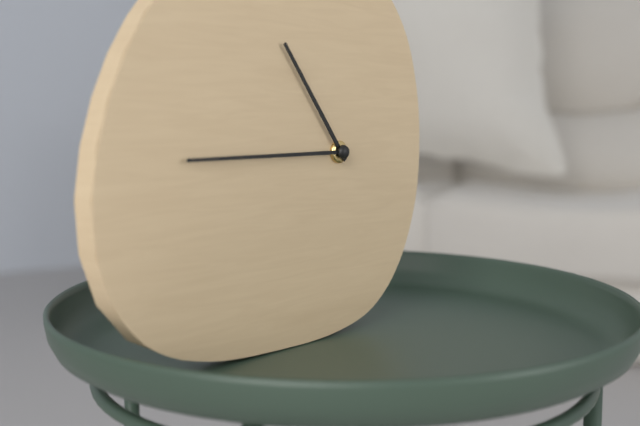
h=10 m=45
